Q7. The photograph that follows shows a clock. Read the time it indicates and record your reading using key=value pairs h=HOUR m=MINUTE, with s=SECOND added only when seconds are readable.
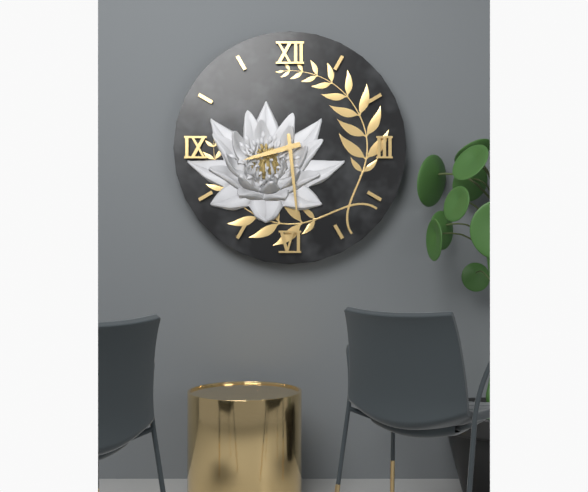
h=8 m=29
